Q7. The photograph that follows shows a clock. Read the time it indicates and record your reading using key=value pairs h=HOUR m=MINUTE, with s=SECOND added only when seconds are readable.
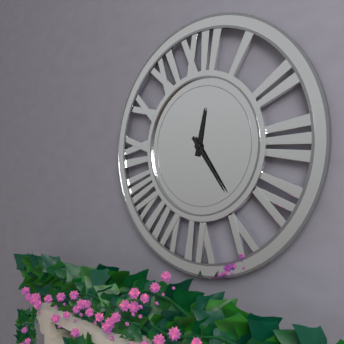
h=12 m=24
